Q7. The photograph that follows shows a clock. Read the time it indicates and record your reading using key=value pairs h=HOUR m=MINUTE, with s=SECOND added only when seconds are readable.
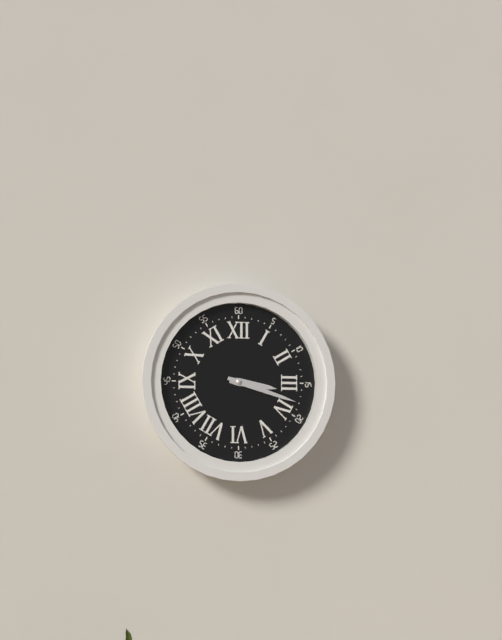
h=3 m=18
